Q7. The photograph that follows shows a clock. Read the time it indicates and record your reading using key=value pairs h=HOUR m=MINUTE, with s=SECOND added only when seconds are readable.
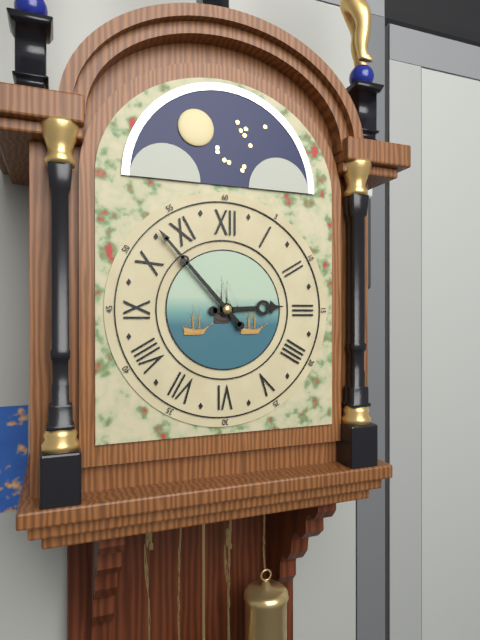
h=2 m=53
